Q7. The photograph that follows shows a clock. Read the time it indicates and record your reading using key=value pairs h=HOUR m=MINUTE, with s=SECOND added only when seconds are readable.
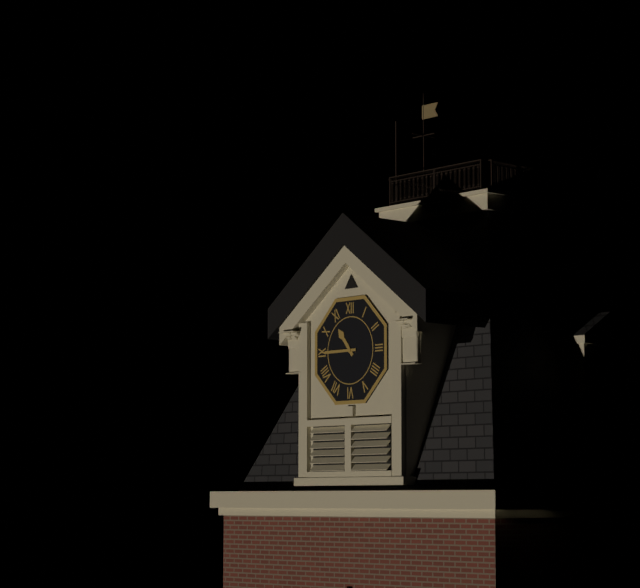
h=10 m=45
